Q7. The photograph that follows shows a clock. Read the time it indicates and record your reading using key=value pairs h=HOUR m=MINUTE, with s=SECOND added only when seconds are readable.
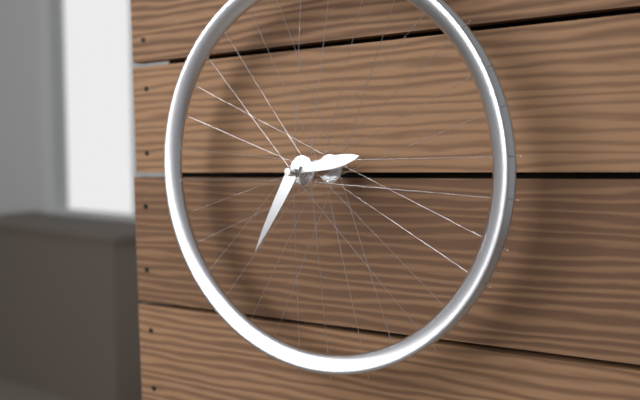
h=2 m=35
